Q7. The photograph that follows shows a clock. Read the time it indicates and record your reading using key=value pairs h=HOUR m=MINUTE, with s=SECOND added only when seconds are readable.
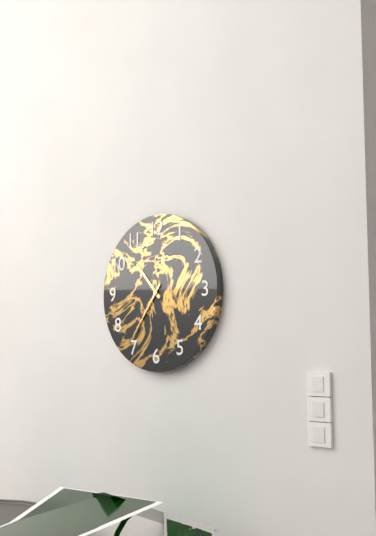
h=10 m=36
